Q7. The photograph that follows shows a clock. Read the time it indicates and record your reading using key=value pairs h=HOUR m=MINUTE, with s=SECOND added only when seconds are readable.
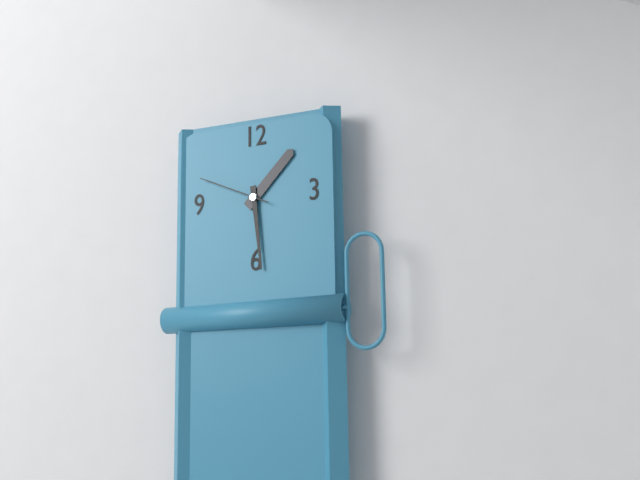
h=1 m=29 s=49
